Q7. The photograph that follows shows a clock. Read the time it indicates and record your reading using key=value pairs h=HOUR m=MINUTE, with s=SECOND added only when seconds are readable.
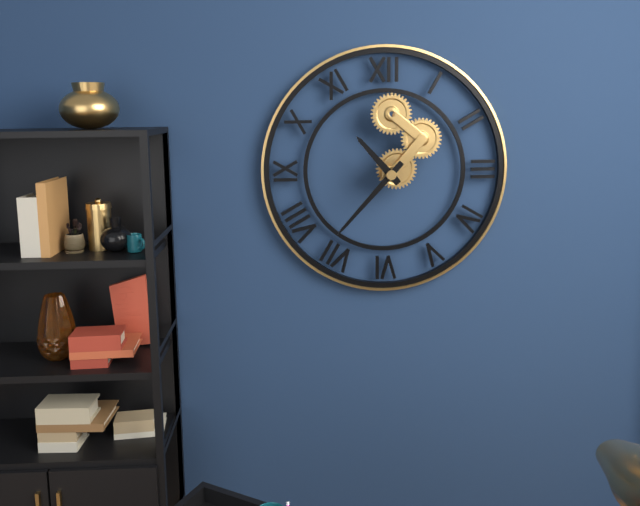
h=10 m=37
